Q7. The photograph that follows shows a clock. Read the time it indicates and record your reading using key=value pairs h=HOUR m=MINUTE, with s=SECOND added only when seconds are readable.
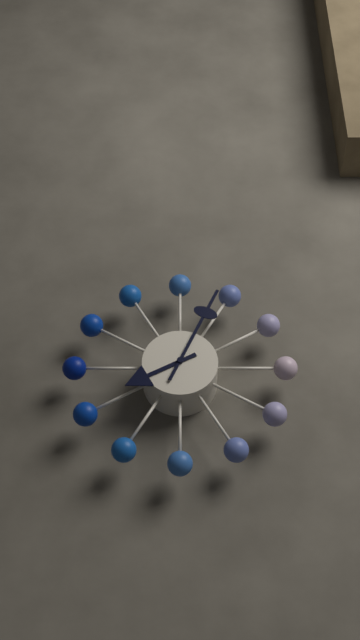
h=8 m=4
